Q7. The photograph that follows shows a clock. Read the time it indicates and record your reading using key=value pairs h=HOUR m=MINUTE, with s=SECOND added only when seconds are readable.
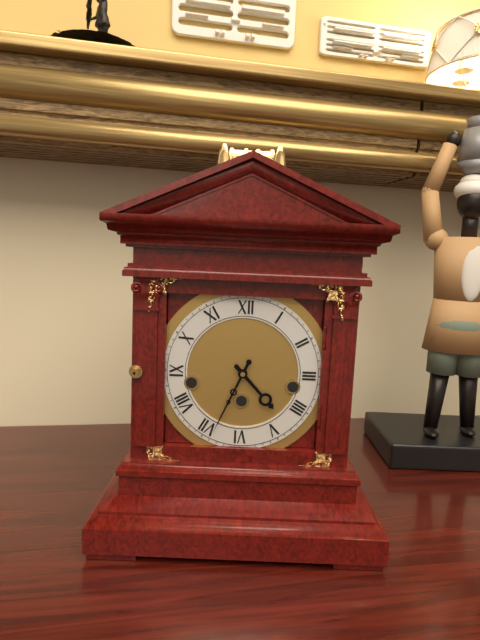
h=4 m=34
